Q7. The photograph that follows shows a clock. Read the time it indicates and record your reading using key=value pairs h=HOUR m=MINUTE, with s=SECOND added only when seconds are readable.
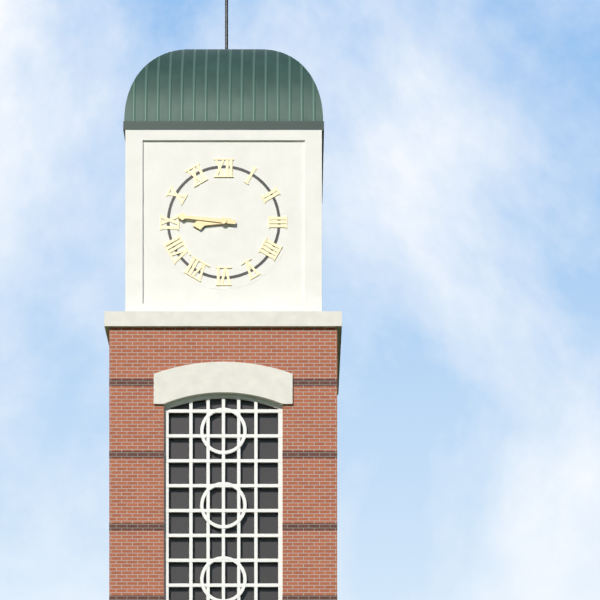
h=8 m=46
